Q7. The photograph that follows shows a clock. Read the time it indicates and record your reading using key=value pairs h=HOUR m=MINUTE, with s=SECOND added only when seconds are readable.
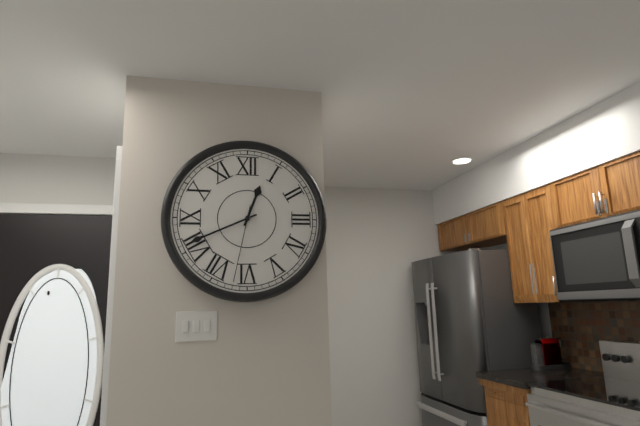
h=12 m=41 s=32
